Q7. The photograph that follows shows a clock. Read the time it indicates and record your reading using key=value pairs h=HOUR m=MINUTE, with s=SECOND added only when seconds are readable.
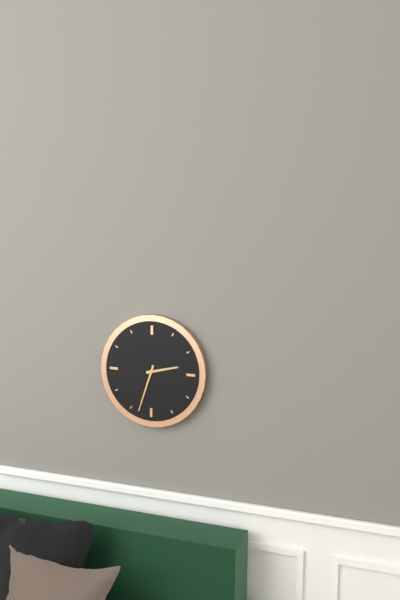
h=2 m=33
